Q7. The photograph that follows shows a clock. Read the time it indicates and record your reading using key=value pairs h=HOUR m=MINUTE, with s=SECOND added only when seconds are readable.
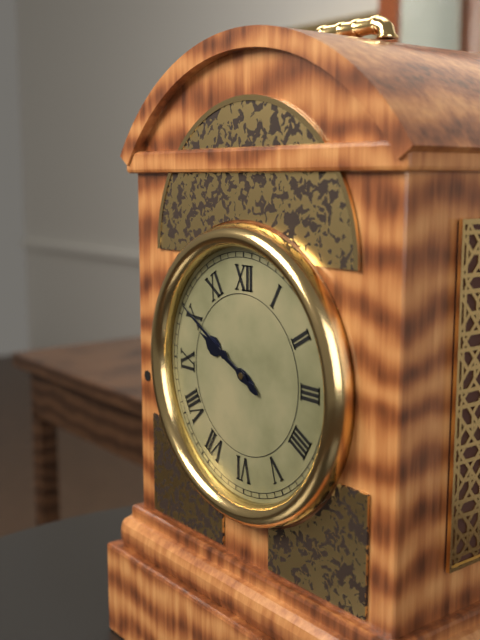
h=9 m=50
